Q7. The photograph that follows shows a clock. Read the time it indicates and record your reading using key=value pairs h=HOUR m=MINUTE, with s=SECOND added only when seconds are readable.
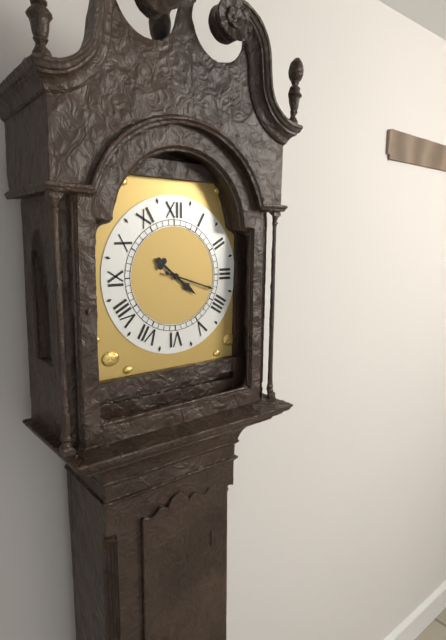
h=4 m=18
